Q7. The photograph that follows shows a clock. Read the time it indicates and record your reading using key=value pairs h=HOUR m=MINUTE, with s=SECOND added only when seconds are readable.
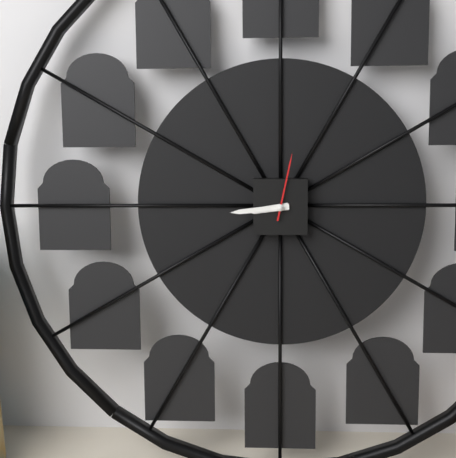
h=8 m=44 s=2
